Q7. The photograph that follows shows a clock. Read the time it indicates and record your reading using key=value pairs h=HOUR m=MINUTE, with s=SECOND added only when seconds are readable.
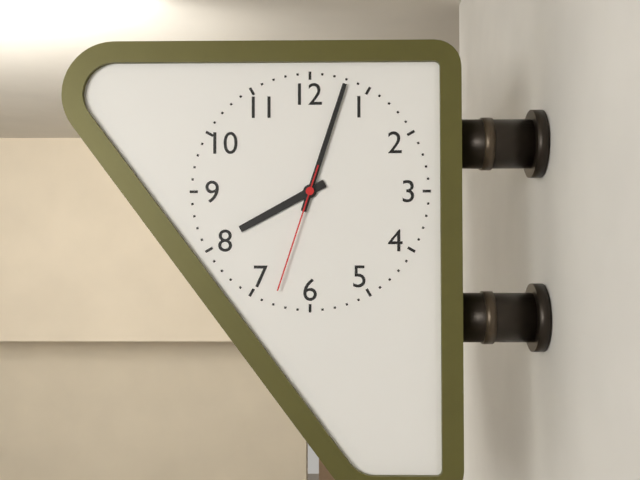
h=8 m=3 s=33
